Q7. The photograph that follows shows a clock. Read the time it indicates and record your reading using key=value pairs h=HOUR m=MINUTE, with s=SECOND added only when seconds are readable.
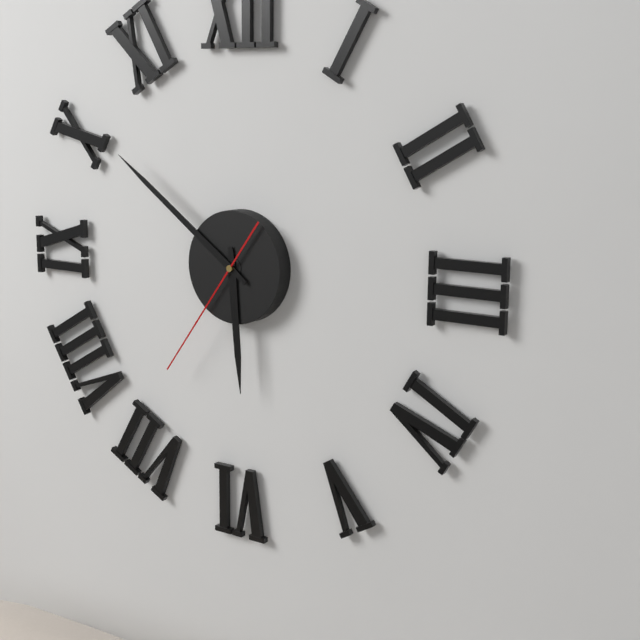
h=5 m=51 s=36
